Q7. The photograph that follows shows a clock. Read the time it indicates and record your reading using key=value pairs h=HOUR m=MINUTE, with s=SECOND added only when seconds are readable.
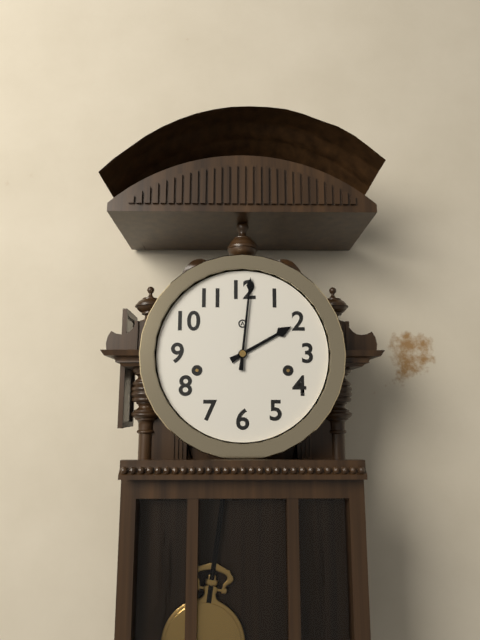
h=2 m=1
